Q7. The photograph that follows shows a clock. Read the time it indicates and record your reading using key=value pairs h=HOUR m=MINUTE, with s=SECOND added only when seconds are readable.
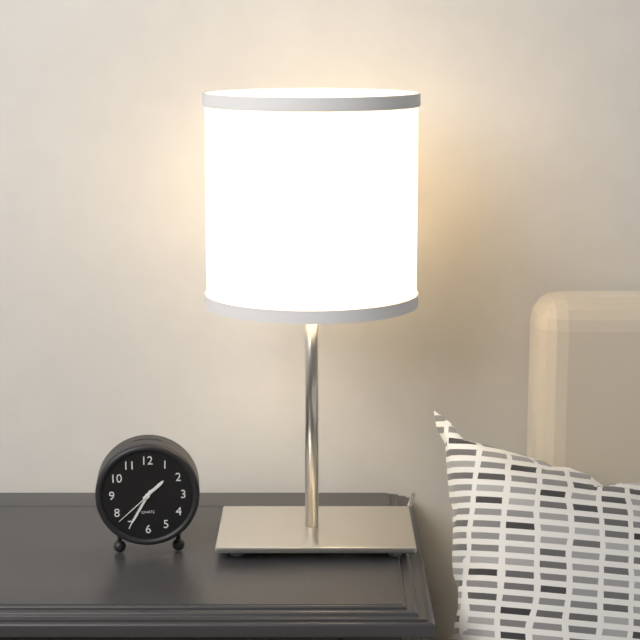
h=1 m=35
